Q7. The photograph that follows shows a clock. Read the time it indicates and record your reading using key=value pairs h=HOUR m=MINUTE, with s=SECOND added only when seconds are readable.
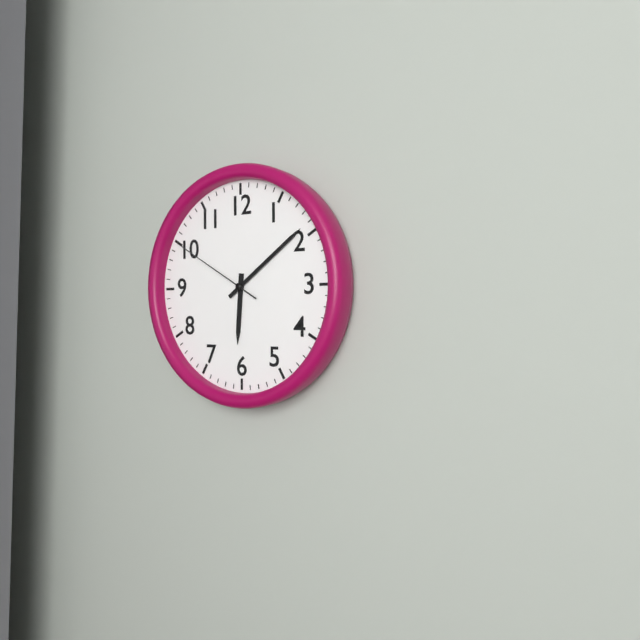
h=6 m=9 s=50
